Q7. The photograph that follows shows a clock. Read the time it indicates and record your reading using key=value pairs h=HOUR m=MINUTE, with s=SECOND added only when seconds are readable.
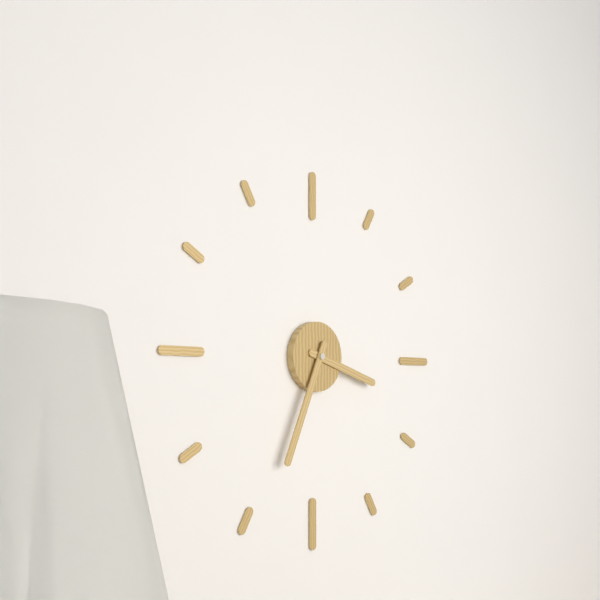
h=3 m=34
